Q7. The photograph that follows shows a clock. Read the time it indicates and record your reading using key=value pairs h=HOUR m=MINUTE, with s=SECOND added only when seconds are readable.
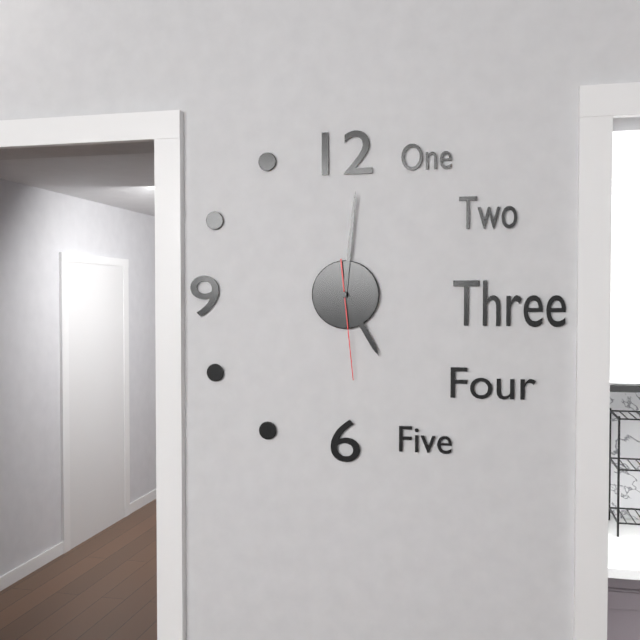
h=5 m=1 s=29
